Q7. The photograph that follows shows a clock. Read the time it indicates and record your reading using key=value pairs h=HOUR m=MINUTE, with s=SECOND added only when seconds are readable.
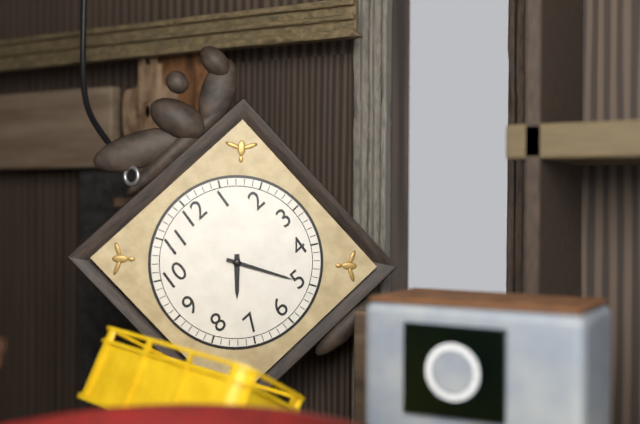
h=7 m=25
